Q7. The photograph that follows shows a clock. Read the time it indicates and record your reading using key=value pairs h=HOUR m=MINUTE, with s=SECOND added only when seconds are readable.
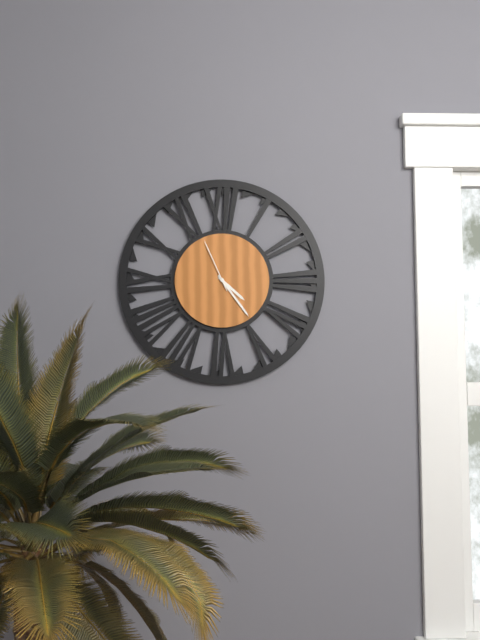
h=4 m=24 s=56
